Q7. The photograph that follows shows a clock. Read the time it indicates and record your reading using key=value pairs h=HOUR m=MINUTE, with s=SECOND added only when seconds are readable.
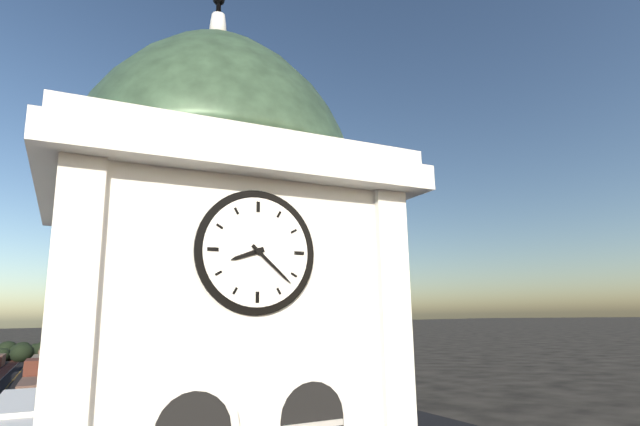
h=8 m=22
